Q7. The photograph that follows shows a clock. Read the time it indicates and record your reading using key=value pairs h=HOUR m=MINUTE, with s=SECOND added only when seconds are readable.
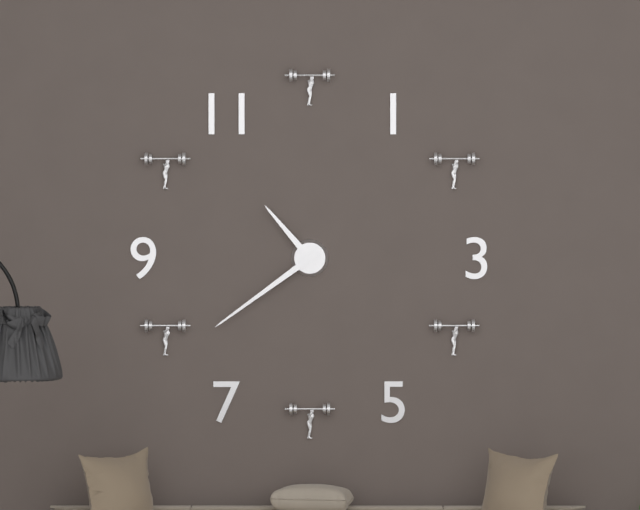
h=10 m=39
